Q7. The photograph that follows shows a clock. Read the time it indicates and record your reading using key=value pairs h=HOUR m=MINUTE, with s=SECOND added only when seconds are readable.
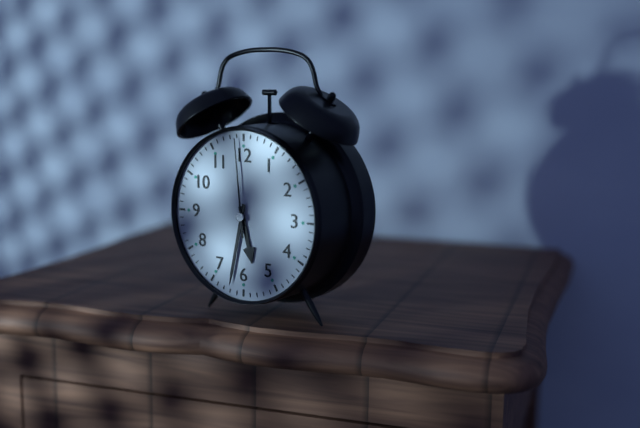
h=5 m=32 s=59
